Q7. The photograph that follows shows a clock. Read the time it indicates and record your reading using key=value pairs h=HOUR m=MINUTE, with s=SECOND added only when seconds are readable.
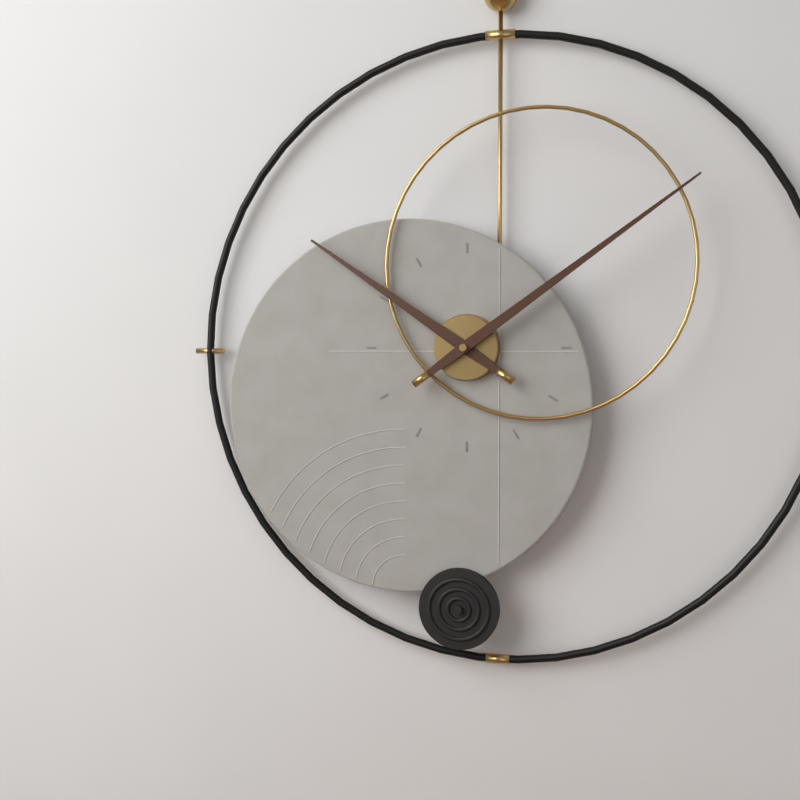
h=10 m=9
